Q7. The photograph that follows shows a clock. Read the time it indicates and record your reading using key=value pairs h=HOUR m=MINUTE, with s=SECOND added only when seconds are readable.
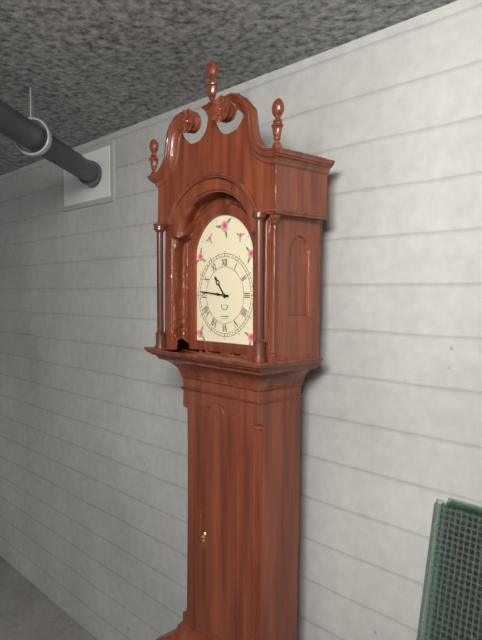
h=10 m=46
